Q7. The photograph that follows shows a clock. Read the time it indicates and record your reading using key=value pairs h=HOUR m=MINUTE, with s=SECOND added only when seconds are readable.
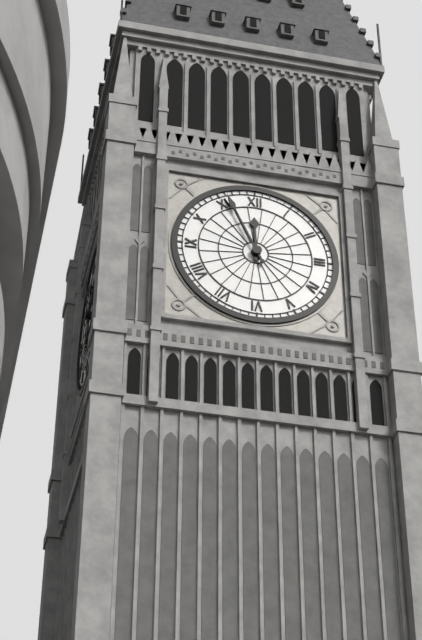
h=11 m=56
